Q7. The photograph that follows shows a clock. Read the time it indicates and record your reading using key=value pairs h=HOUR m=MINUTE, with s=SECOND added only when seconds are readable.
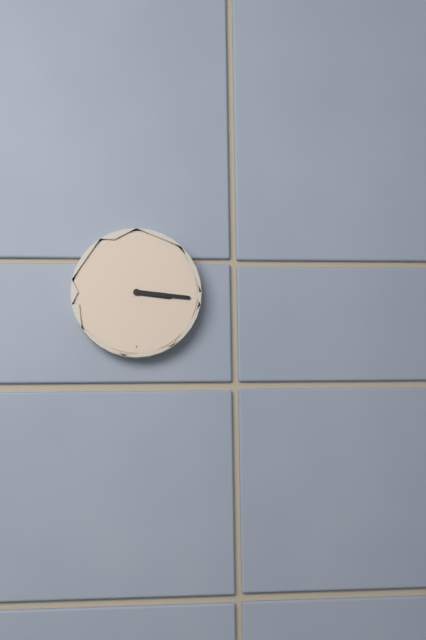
h=3 m=16
